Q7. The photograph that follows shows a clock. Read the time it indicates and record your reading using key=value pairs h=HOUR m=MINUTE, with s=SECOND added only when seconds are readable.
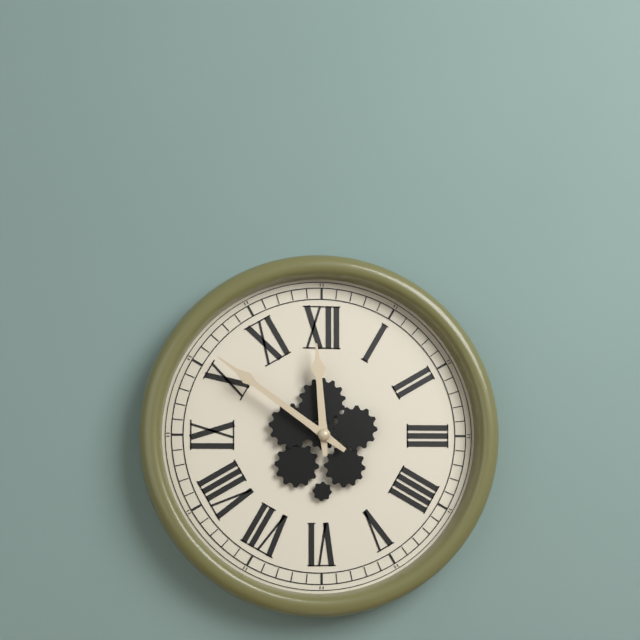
h=11 m=51
